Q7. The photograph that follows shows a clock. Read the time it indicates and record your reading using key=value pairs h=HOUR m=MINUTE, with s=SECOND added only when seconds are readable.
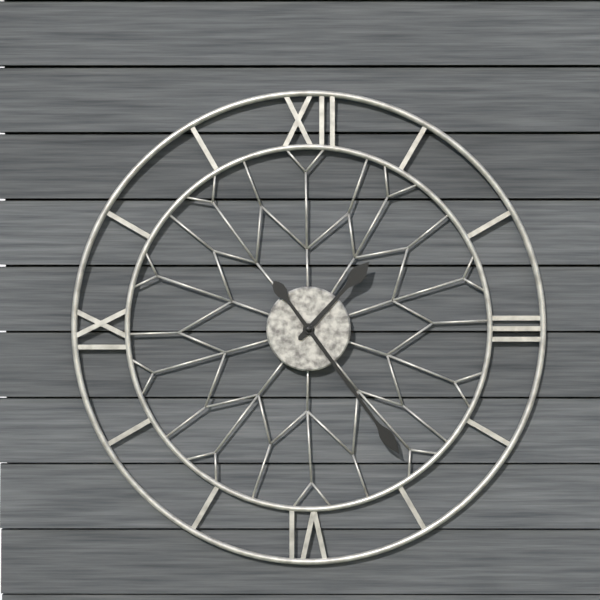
h=1 m=24
